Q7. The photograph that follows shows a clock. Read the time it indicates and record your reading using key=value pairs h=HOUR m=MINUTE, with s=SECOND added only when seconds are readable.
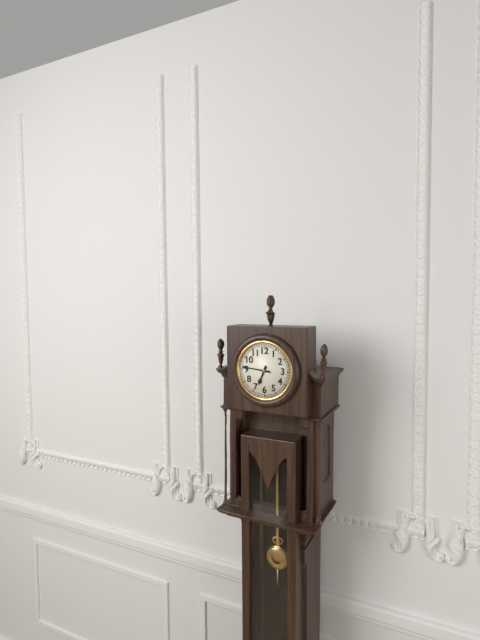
h=6 m=46
